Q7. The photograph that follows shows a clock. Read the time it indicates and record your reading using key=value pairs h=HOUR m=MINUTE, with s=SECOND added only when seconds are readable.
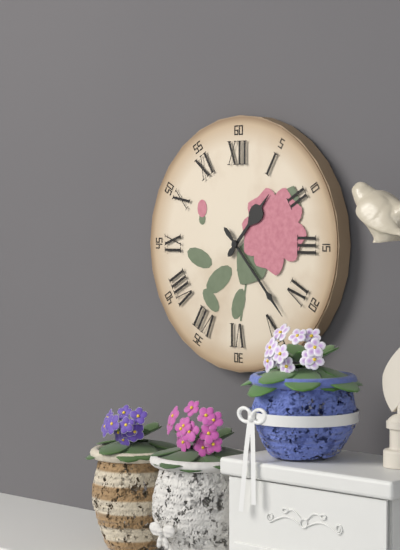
h=1 m=23
